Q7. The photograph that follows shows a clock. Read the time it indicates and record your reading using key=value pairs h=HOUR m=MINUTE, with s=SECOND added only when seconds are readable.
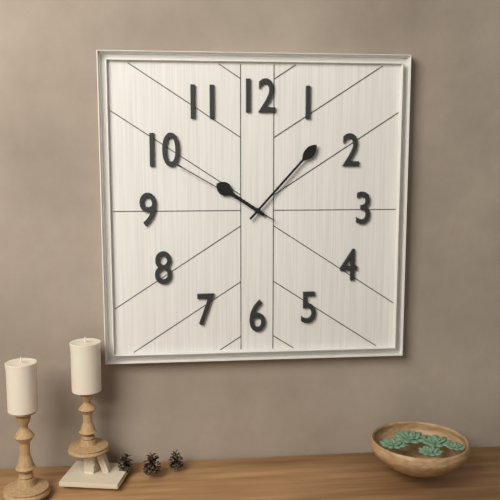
h=10 m=7 s=50
